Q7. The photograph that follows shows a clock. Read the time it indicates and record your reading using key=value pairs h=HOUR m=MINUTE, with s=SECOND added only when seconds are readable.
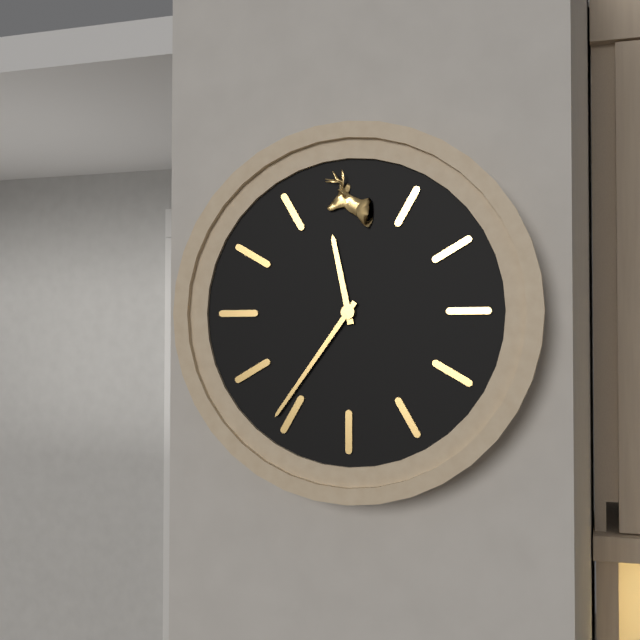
h=11 m=36
